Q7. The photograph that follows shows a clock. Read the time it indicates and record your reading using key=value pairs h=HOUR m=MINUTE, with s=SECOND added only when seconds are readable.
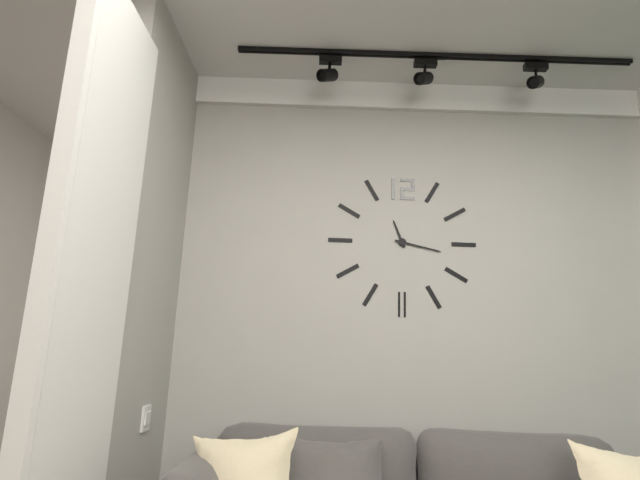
h=11 m=17
